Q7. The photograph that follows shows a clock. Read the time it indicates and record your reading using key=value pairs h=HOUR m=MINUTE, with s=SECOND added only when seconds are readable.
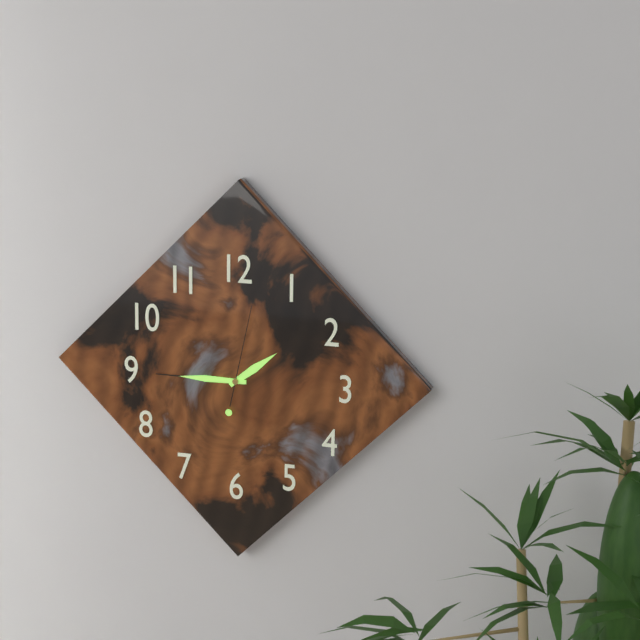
h=1 m=45 s=2
